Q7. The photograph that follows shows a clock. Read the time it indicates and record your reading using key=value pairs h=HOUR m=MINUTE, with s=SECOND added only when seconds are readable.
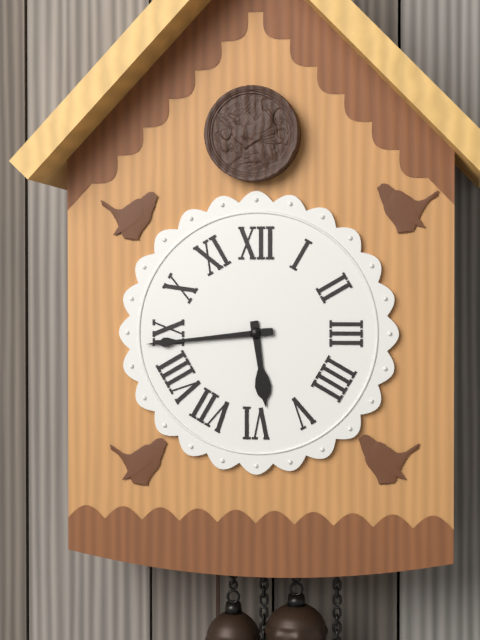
h=5 m=44
